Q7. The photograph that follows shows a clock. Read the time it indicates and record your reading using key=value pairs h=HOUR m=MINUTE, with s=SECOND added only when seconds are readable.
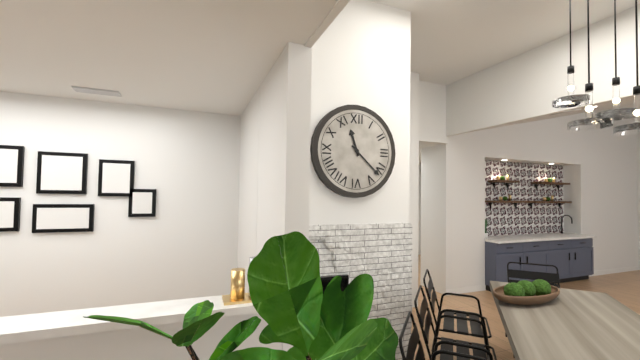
h=11 m=22
